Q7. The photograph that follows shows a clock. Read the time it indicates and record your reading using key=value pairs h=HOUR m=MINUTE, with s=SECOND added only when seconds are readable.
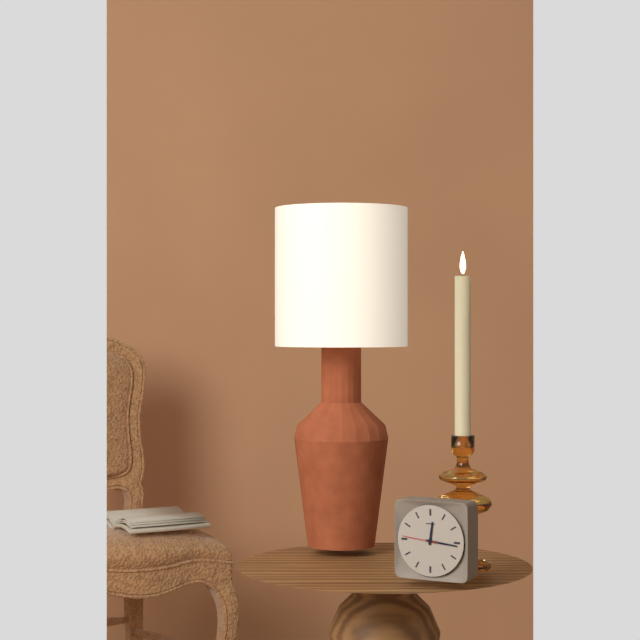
h=12 m=16
